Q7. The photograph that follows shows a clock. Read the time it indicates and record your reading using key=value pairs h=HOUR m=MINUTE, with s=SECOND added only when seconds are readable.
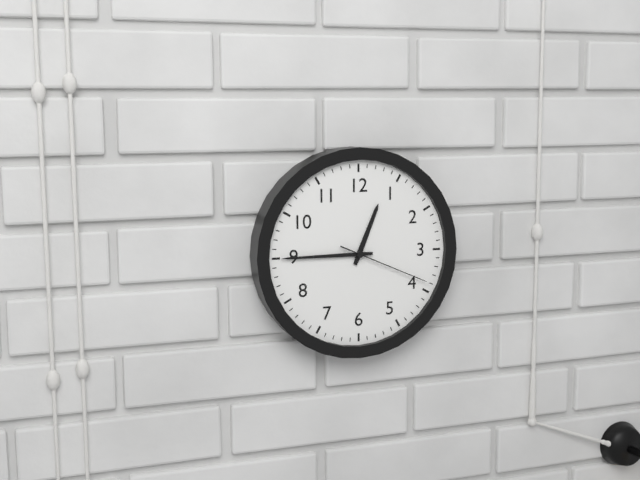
h=12 m=45 s=19
